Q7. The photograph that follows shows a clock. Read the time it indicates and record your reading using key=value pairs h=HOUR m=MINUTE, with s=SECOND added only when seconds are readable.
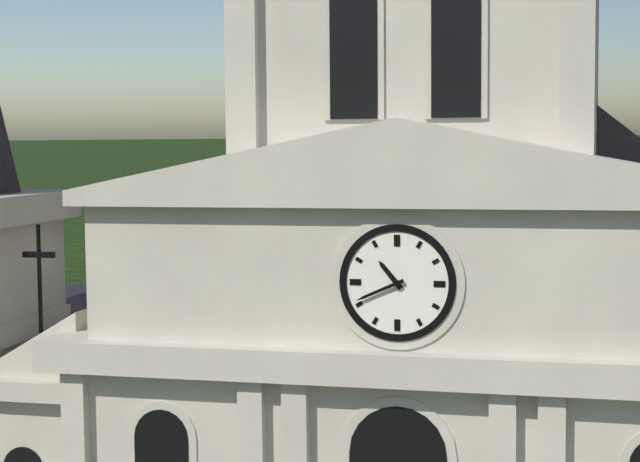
h=10 m=41
